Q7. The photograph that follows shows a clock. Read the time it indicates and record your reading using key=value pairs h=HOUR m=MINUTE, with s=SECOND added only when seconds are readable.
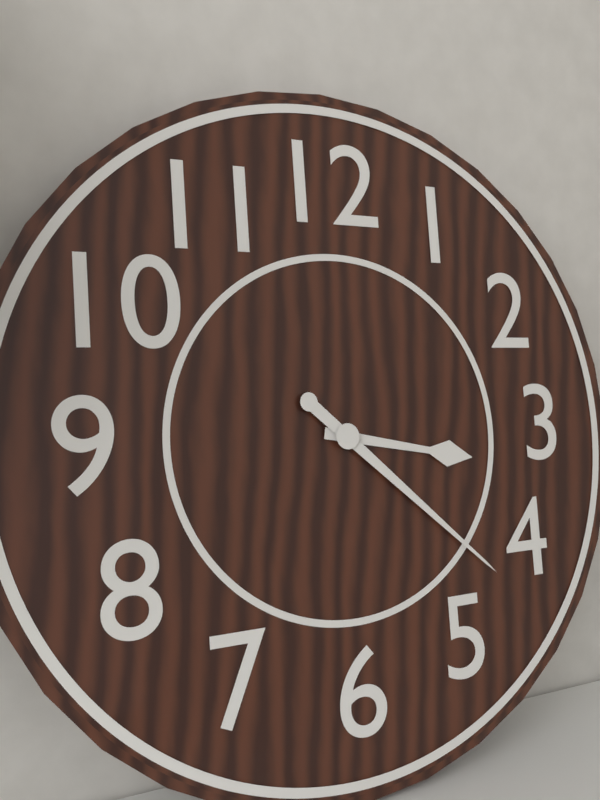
h=3 m=22
